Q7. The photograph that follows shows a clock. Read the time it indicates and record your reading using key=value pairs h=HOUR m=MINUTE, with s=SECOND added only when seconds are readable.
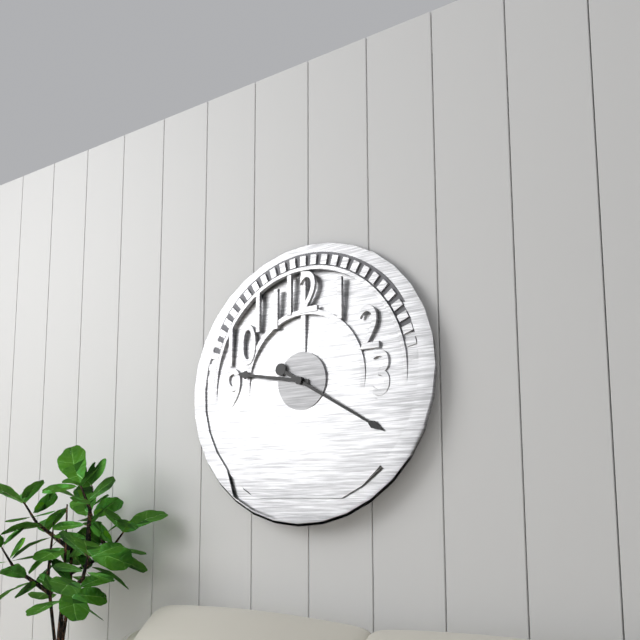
h=9 m=20
